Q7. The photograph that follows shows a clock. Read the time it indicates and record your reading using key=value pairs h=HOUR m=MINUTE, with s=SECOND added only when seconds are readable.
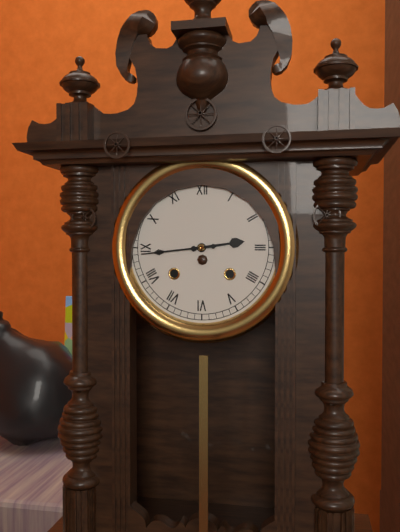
h=2 m=44
